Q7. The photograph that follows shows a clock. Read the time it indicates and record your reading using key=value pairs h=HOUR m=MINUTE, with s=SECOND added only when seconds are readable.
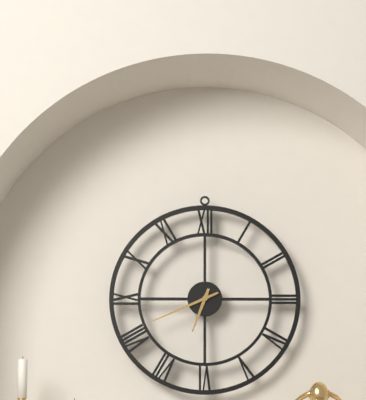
h=6 m=41
